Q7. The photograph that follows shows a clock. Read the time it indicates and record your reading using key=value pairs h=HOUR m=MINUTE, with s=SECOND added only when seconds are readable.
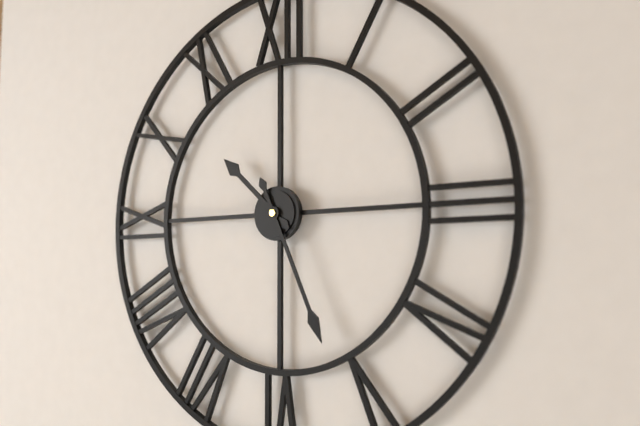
h=10 m=26
